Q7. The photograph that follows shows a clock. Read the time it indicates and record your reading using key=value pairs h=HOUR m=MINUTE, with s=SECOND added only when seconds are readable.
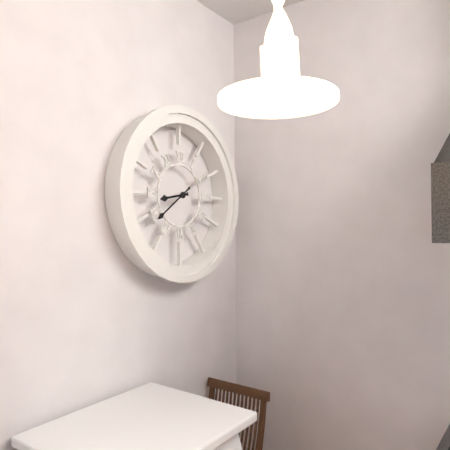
h=8 m=39
